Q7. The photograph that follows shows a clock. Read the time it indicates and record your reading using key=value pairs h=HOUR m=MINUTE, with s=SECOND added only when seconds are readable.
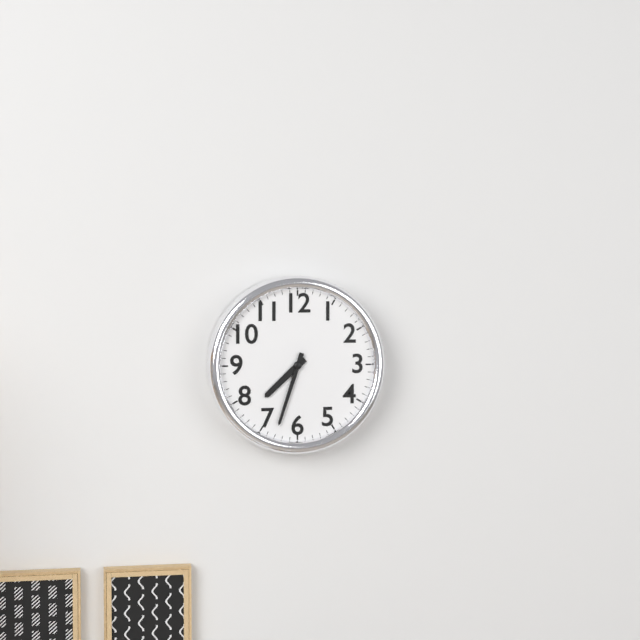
h=7 m=33
